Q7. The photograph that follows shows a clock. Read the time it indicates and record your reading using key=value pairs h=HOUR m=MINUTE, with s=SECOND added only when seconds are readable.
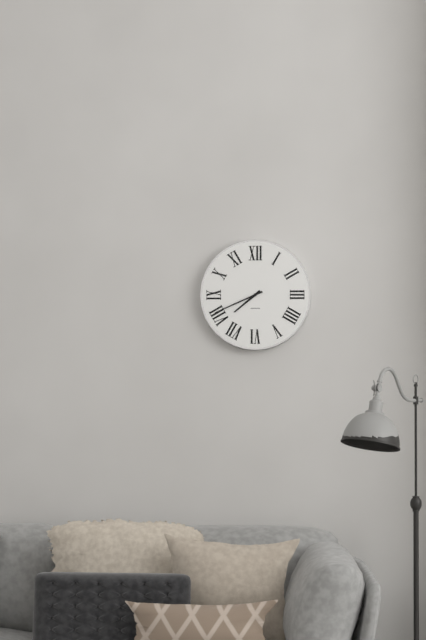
h=7 m=41
